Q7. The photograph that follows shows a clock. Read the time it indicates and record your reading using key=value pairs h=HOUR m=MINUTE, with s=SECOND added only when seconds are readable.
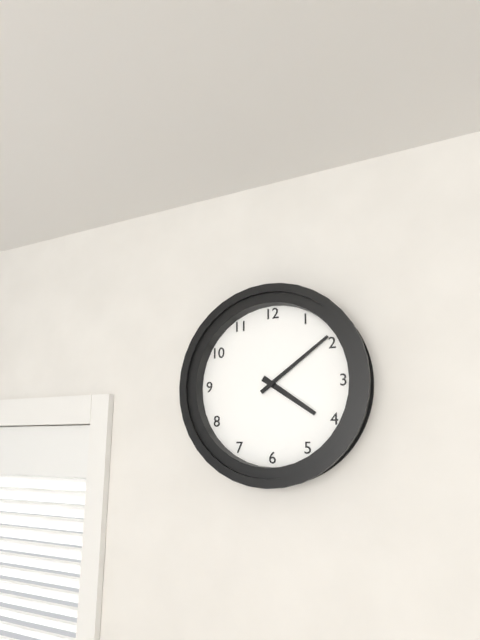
h=4 m=9
